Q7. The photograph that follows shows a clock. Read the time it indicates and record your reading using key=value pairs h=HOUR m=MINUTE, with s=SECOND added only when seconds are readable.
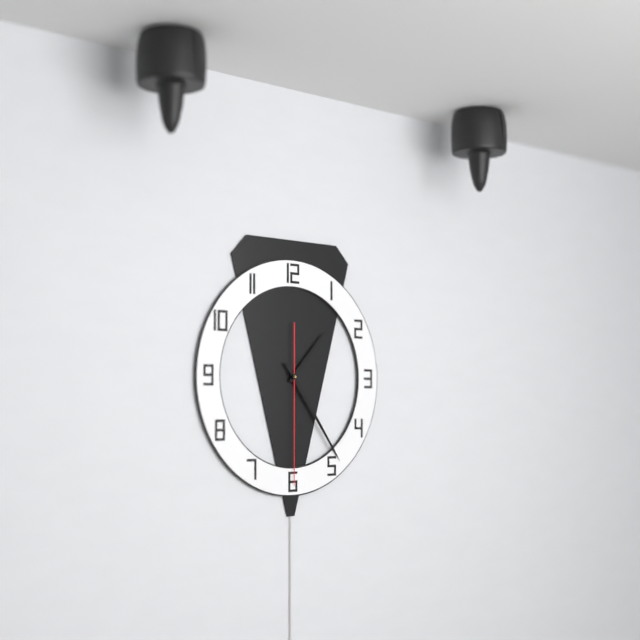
h=1 m=24 s=30
